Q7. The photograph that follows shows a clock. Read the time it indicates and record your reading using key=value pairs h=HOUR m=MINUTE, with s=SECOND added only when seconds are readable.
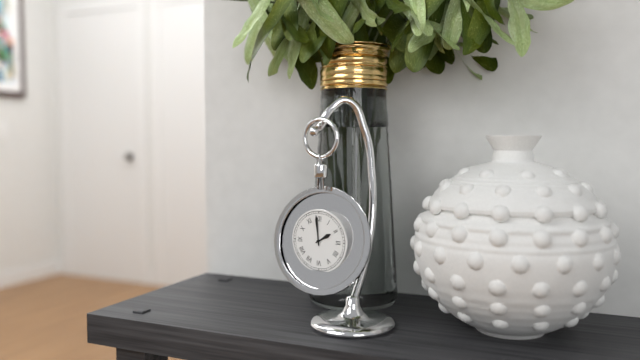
h=1 m=59
